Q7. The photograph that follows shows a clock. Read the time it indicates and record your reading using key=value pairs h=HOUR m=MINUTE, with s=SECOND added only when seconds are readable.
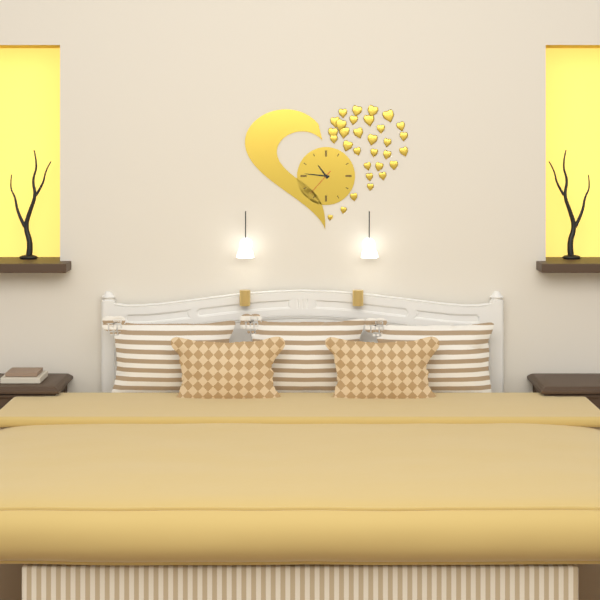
h=10 m=46
